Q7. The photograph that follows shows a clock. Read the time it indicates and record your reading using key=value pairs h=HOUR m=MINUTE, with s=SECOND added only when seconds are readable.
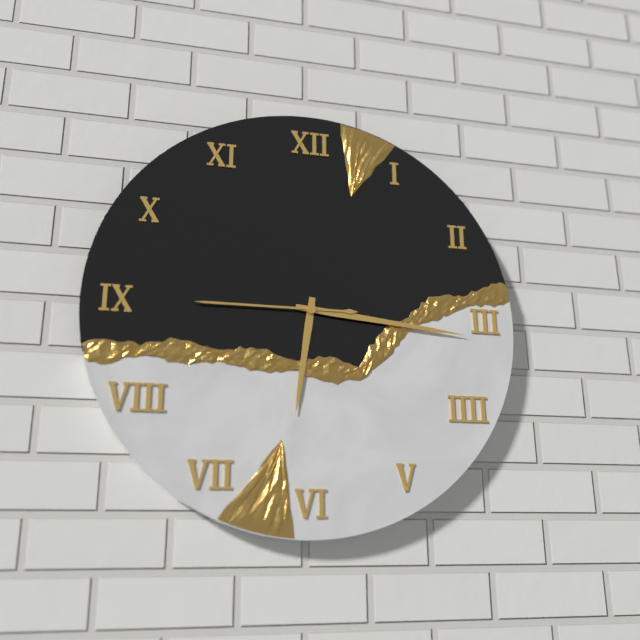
h=6 m=16 s=45
